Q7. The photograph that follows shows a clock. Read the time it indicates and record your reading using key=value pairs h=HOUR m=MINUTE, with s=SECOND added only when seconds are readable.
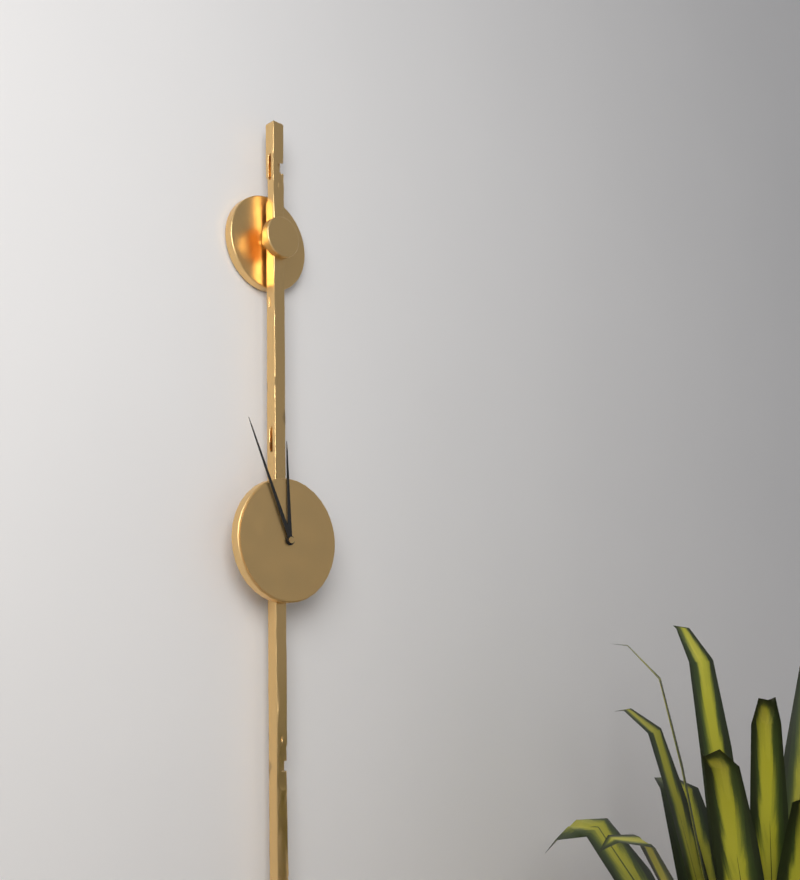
h=11 m=56
